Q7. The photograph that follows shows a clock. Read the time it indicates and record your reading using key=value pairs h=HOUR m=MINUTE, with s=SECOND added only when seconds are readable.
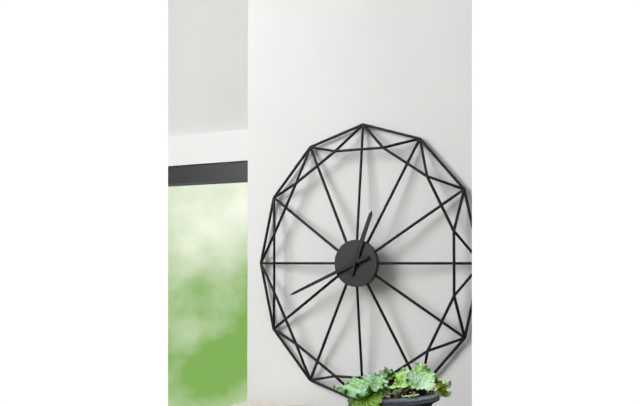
h=12 m=41
